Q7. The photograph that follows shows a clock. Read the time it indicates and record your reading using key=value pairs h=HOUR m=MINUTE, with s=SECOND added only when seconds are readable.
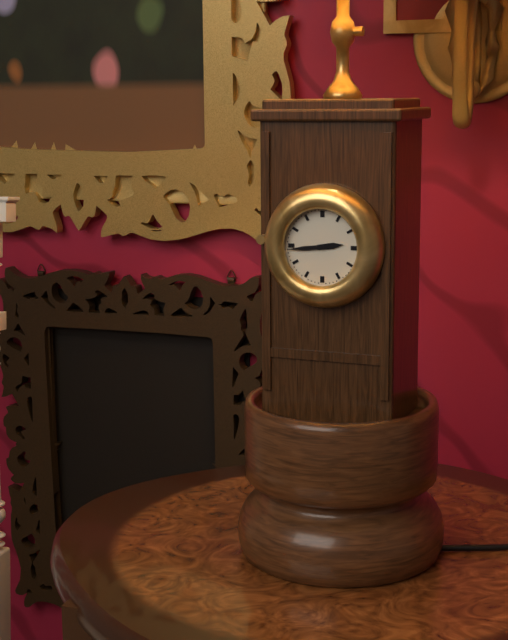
h=2 m=44
